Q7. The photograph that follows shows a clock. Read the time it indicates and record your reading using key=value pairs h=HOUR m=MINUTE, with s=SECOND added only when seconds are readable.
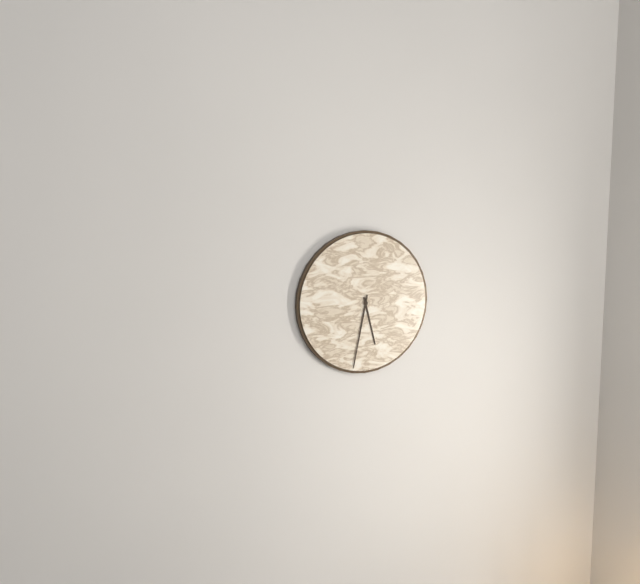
h=5 m=32
